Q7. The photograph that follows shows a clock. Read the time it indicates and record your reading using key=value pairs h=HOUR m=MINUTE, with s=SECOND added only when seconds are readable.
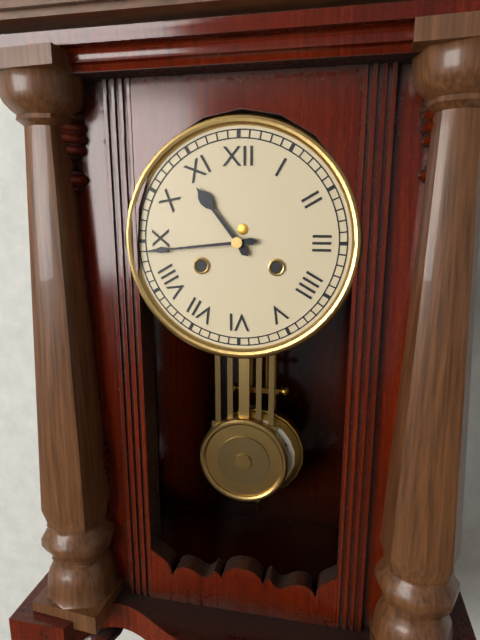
h=10 m=44
